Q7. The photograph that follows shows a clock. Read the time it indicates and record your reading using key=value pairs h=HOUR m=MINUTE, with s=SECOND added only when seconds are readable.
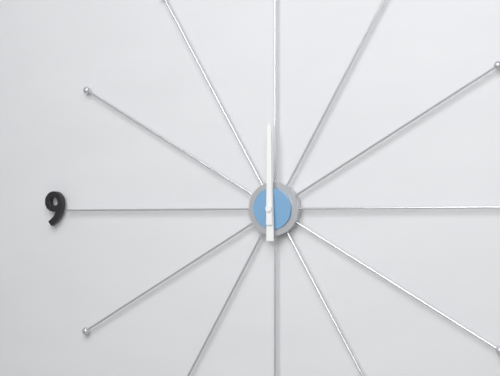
h=12 m=0
